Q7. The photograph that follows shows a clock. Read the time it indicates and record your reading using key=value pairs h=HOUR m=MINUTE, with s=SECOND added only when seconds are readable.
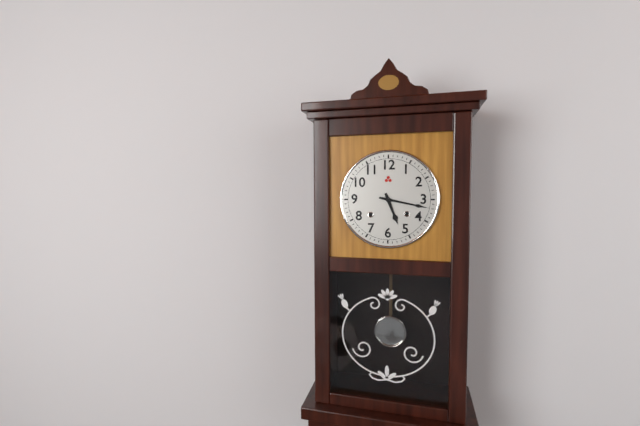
h=5 m=17
